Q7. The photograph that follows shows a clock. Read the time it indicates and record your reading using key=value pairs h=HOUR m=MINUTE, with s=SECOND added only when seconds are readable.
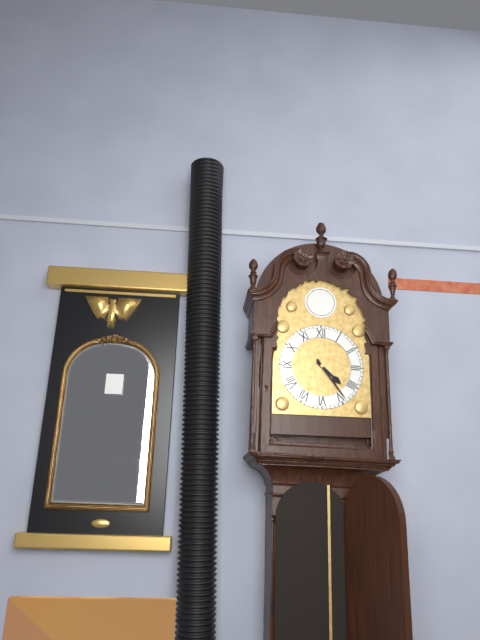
h=4 m=24
